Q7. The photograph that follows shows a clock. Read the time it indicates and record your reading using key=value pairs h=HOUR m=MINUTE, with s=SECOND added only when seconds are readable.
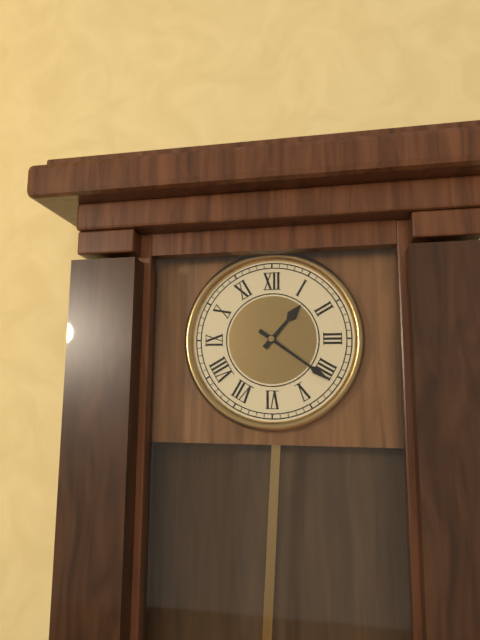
h=1 m=21
